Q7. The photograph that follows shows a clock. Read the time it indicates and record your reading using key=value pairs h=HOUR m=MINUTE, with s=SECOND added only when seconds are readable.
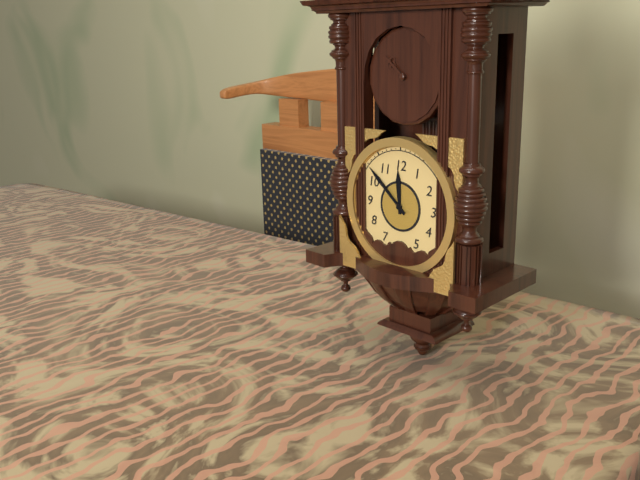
h=11 m=52
